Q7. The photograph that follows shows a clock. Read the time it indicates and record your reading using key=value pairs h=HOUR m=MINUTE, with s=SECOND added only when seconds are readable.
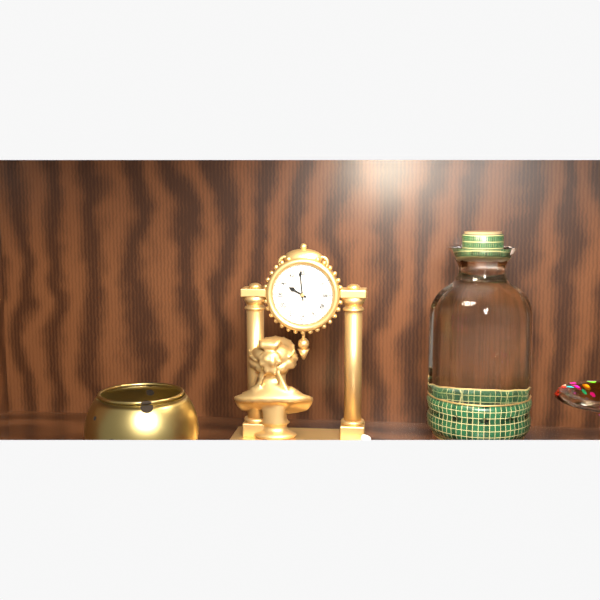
h=9 m=59
